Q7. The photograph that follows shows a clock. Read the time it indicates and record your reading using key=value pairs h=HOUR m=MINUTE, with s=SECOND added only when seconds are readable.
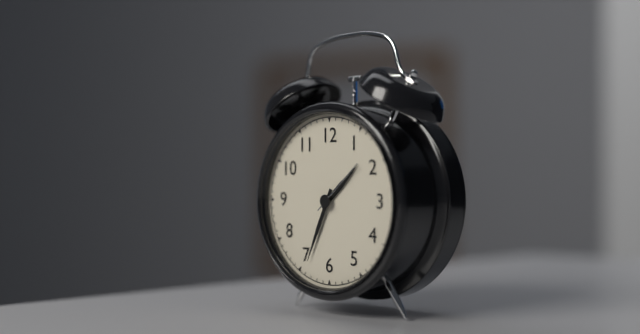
h=1 m=34 s=8
